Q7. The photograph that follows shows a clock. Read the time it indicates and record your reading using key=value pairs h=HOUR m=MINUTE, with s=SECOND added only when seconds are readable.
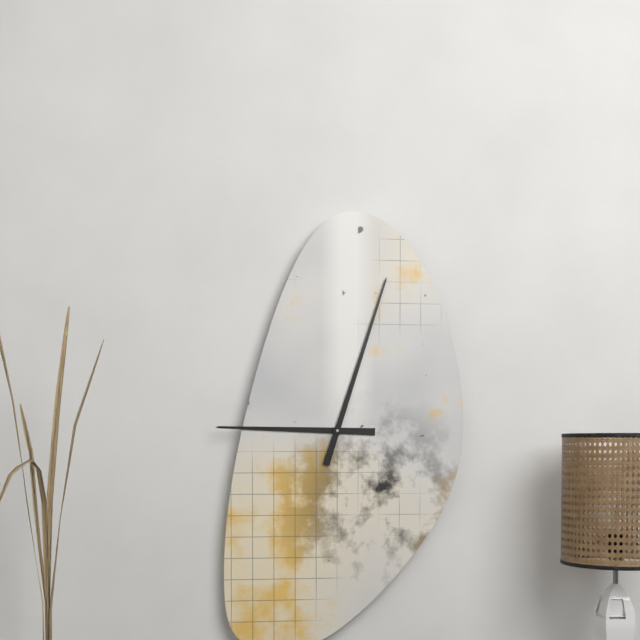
h=9 m=3
